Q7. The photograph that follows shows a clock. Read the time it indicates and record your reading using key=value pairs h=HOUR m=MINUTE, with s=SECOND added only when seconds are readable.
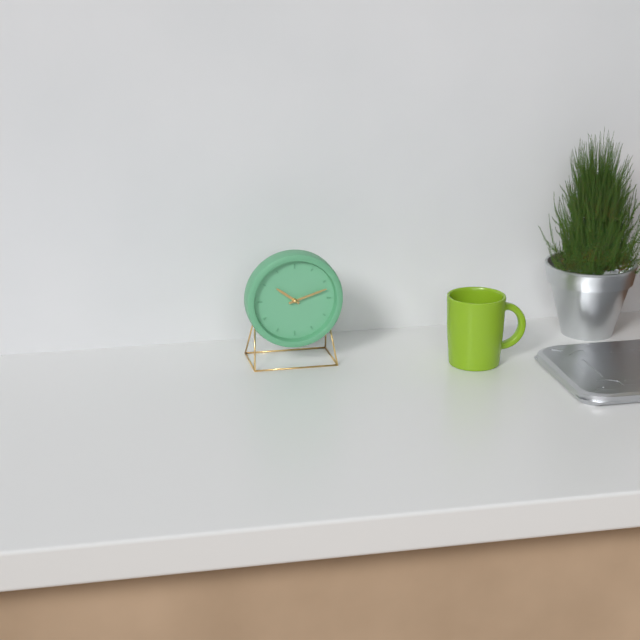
h=10 m=12
